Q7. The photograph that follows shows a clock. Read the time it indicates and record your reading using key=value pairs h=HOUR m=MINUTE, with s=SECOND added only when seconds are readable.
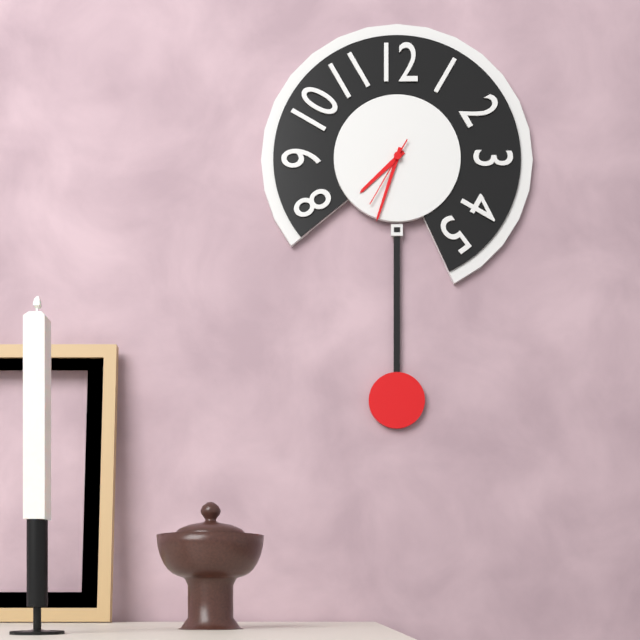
h=7 m=33 s=35
